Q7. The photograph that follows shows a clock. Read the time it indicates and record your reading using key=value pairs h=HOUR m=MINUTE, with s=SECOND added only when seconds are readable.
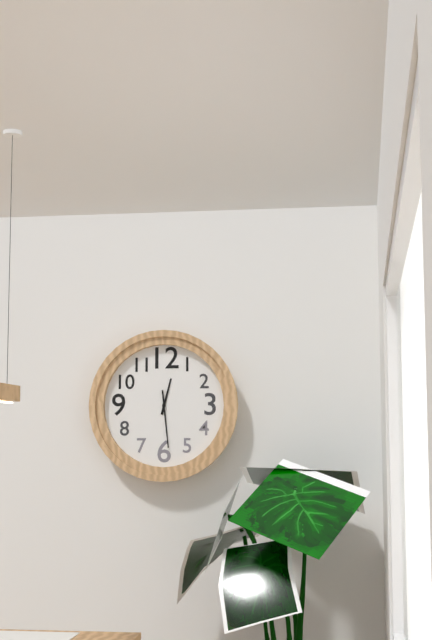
h=12 m=29
